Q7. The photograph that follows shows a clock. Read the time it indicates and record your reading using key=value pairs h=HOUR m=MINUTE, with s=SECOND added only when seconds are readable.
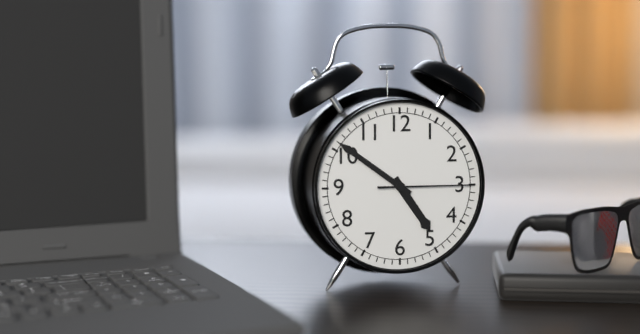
h=4 m=51 s=15
